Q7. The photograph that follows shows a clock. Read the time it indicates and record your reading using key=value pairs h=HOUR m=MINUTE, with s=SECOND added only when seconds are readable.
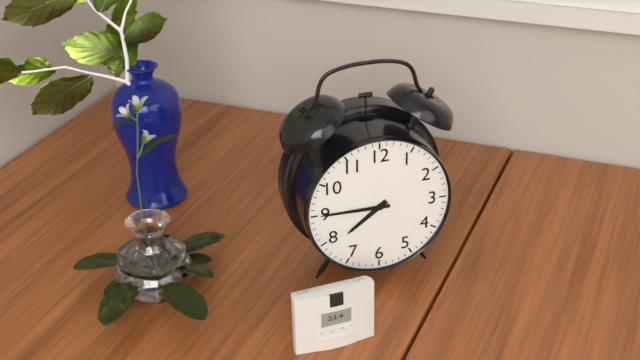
h=7 m=45
